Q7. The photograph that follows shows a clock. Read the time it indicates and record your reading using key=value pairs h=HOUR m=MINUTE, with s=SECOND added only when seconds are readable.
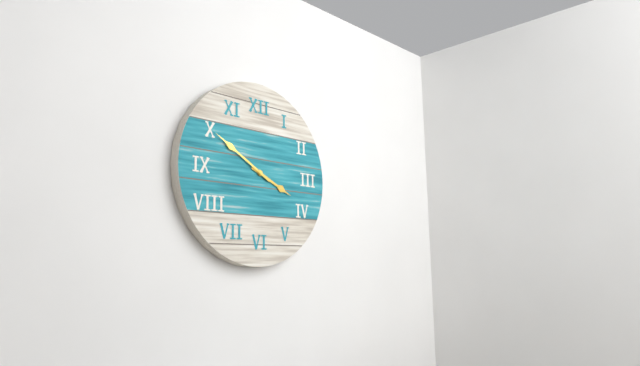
h=3 m=50
